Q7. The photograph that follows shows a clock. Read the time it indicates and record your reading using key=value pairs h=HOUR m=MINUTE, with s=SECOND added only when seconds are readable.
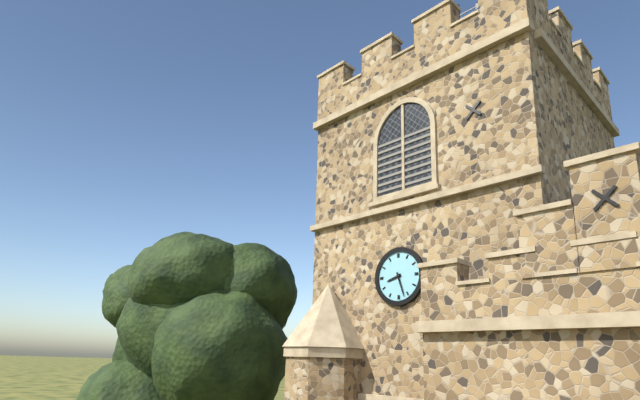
h=8 m=27
